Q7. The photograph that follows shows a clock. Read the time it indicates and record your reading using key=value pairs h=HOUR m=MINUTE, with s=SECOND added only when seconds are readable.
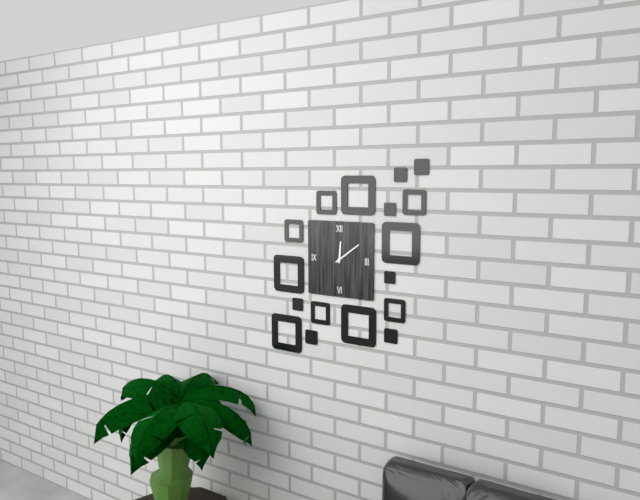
h=12 m=9
